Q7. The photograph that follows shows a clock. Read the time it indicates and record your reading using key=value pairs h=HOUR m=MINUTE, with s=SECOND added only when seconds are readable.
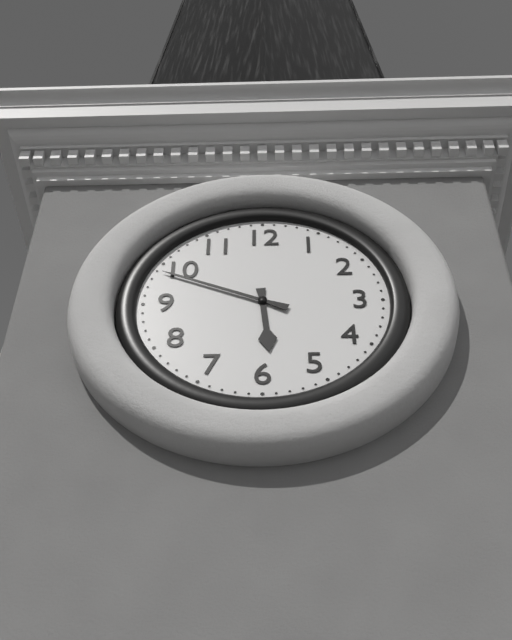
h=5 m=49
